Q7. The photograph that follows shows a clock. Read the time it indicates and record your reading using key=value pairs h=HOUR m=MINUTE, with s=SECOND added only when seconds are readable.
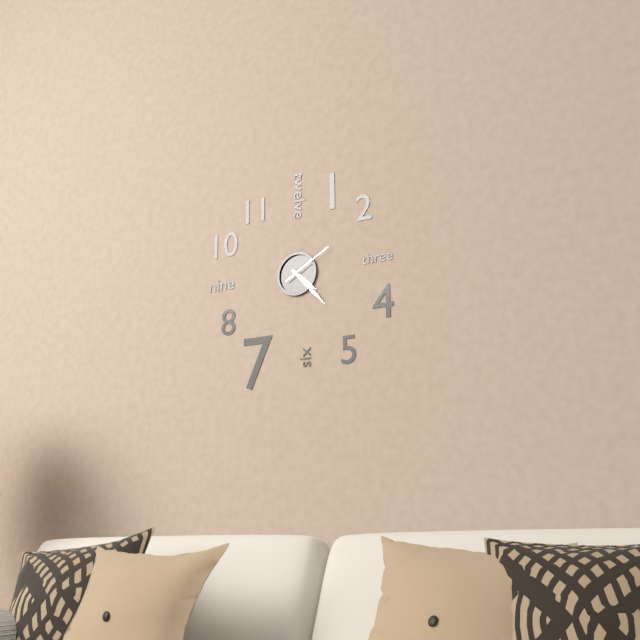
h=4 m=23 s=10
